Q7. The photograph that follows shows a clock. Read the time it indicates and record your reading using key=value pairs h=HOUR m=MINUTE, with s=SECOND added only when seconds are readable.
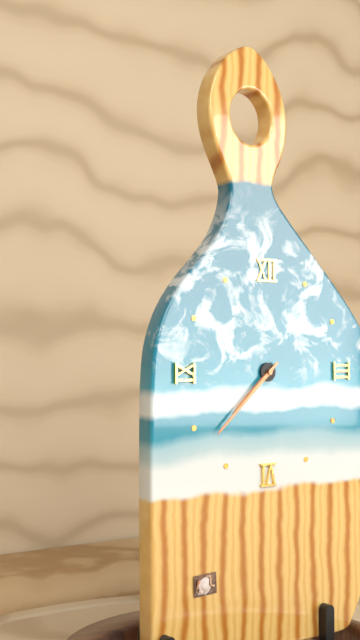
h=7 m=38
